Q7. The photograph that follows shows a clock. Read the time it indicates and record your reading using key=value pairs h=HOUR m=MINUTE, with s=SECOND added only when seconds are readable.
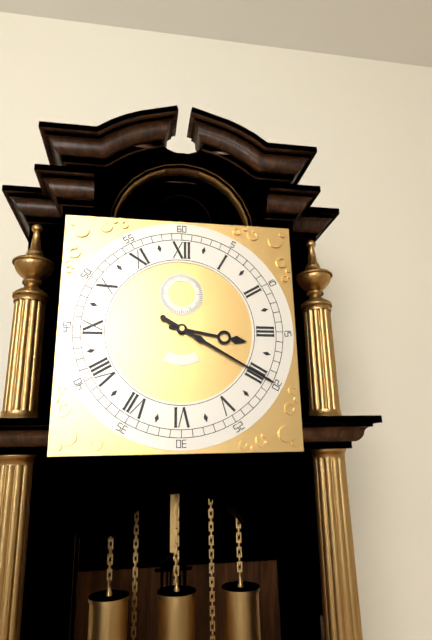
h=3 m=20
